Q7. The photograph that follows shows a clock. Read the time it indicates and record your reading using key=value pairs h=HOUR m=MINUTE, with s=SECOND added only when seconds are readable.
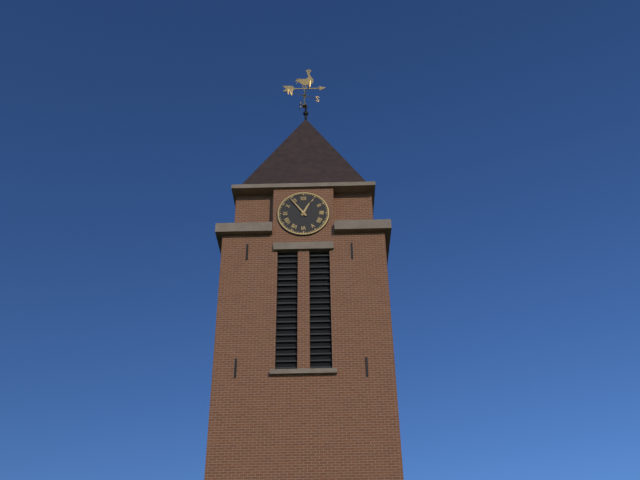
h=12 m=54
